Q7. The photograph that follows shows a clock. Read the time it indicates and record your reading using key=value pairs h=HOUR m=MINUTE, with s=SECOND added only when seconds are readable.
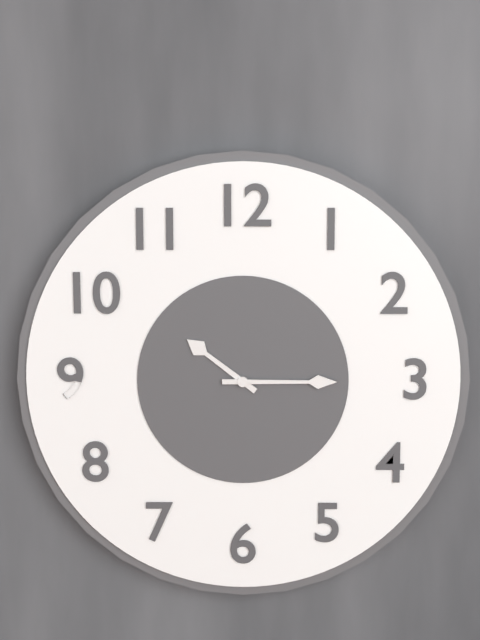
h=10 m=15
